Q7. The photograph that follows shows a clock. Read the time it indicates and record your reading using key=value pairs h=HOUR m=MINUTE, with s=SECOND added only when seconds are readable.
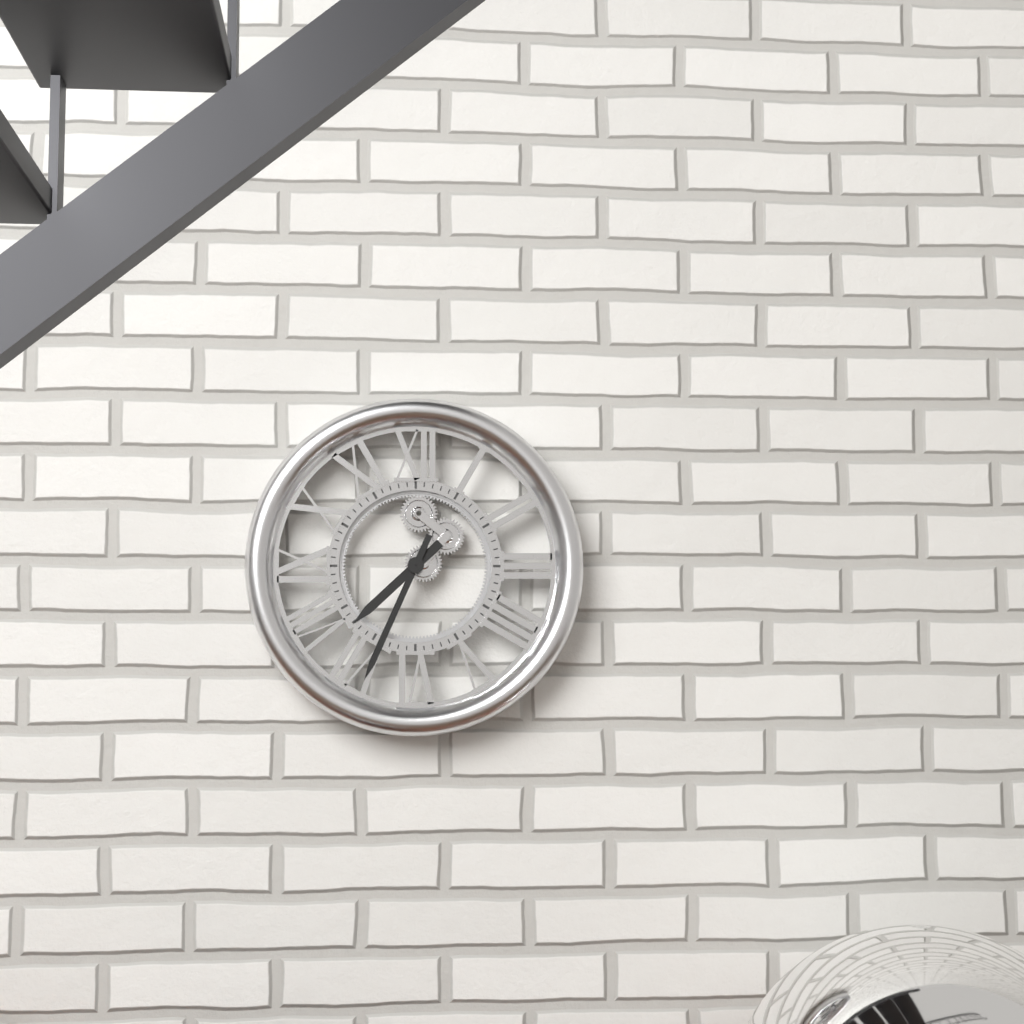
h=7 m=34
